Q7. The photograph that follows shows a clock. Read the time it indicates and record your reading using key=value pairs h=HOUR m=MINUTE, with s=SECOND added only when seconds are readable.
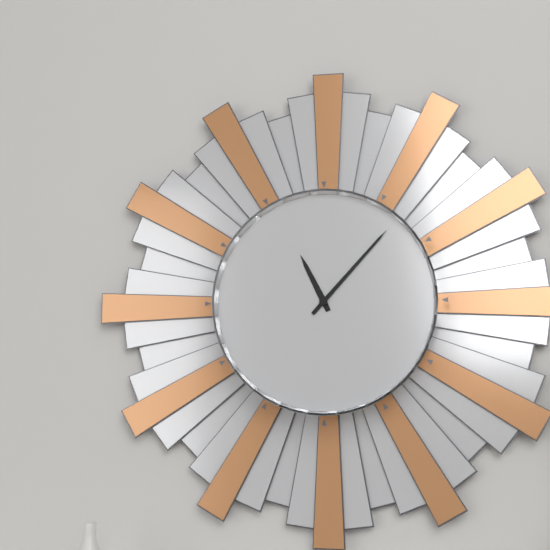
h=11 m=7
